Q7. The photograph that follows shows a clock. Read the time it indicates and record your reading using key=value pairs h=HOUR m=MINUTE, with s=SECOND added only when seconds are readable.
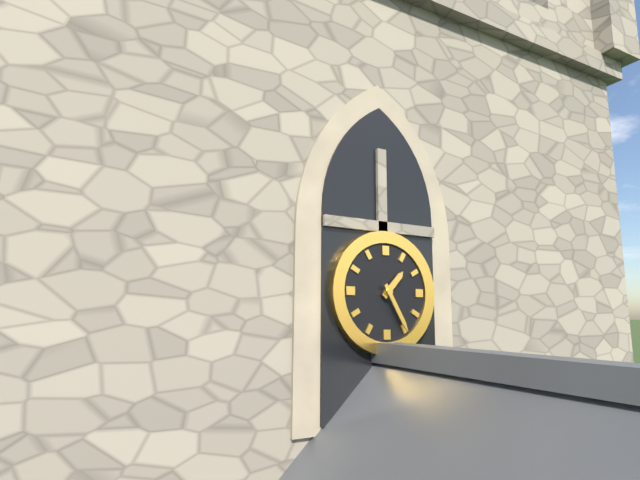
h=1 m=25
